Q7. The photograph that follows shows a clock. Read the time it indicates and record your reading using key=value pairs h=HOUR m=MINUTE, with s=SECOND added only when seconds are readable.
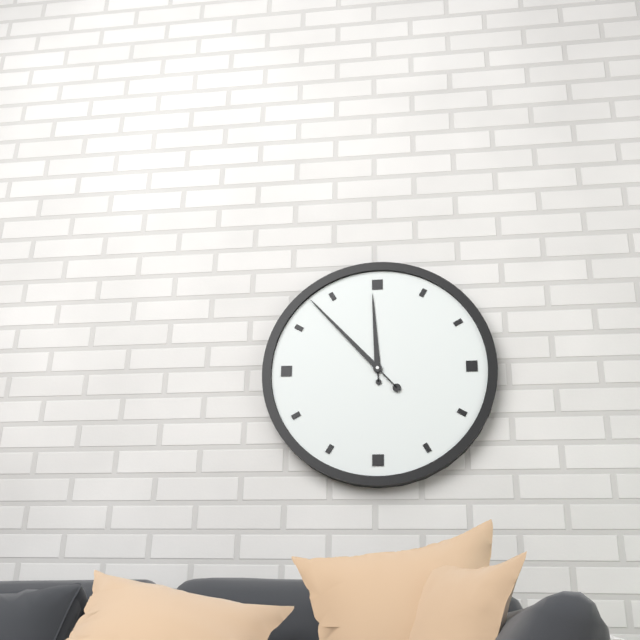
h=11 m=53
